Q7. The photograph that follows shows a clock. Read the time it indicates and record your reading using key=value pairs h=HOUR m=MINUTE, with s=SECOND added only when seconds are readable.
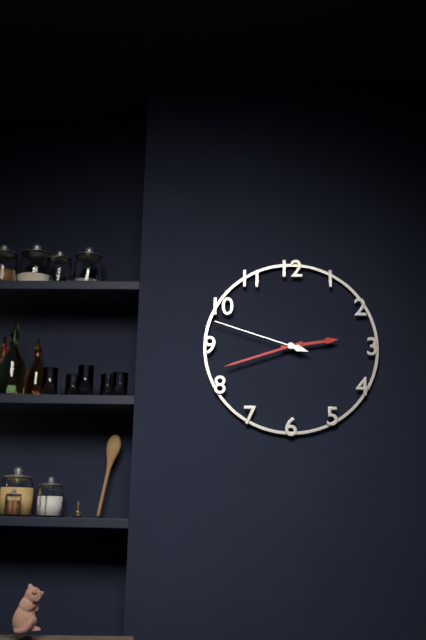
h=2 m=42 s=48
